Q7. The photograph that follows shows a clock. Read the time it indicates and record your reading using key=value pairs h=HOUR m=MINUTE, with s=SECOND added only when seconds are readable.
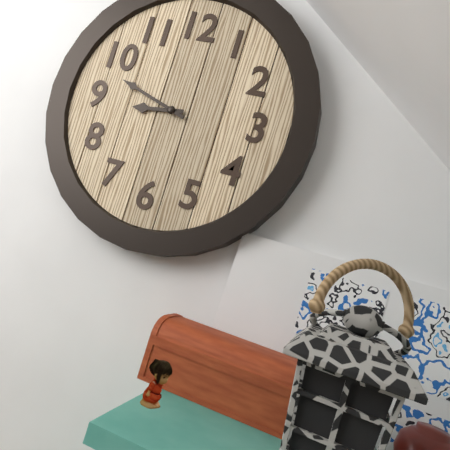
h=8 m=48
